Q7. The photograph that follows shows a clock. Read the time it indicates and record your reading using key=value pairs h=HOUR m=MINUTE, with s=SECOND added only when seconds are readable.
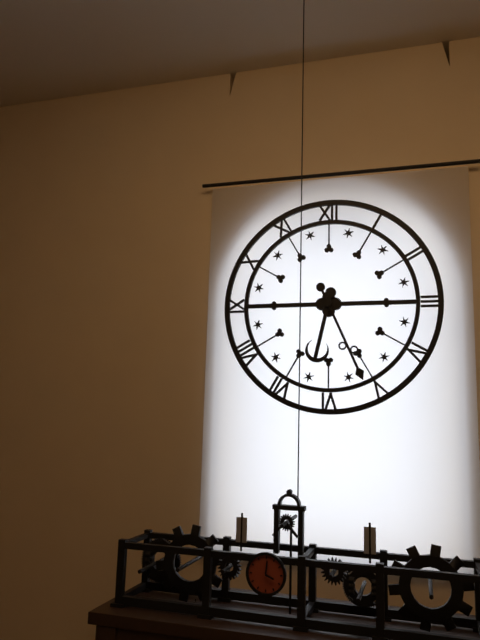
h=6 m=26
